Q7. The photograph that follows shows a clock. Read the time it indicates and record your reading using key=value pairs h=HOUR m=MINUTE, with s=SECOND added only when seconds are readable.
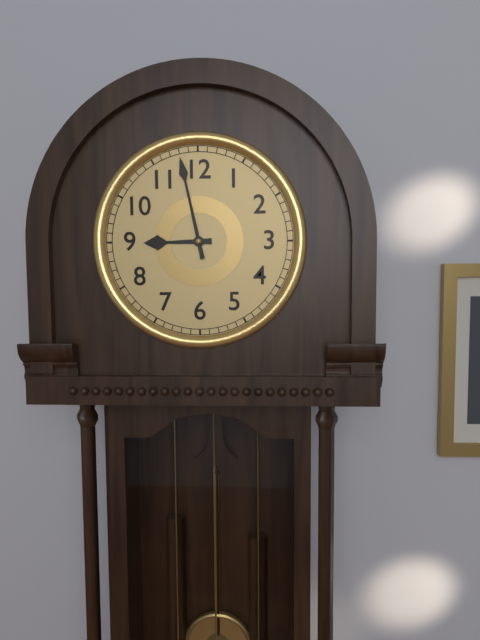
h=8 m=58
